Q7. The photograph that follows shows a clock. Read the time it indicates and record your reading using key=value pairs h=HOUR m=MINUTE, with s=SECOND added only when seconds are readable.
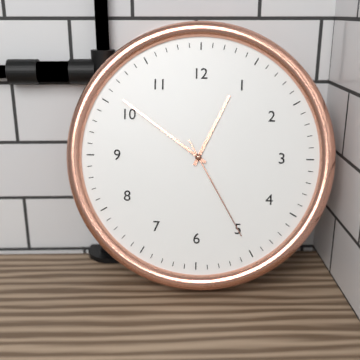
h=12 m=51 s=25
